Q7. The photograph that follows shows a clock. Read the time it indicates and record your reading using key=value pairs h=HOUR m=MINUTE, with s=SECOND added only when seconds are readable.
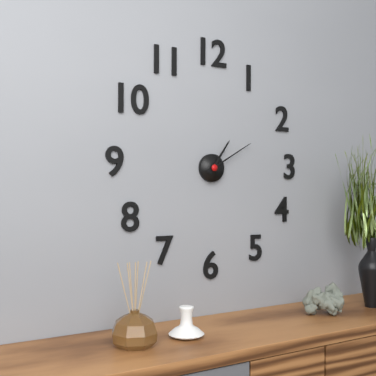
h=1 m=10
